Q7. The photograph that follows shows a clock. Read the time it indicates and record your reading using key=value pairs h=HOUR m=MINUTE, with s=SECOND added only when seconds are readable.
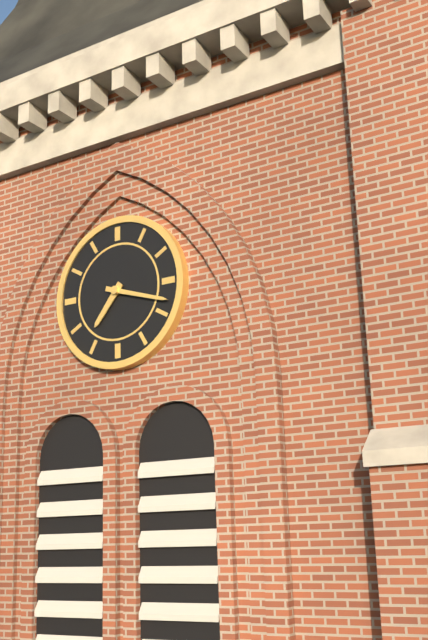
h=7 m=18
